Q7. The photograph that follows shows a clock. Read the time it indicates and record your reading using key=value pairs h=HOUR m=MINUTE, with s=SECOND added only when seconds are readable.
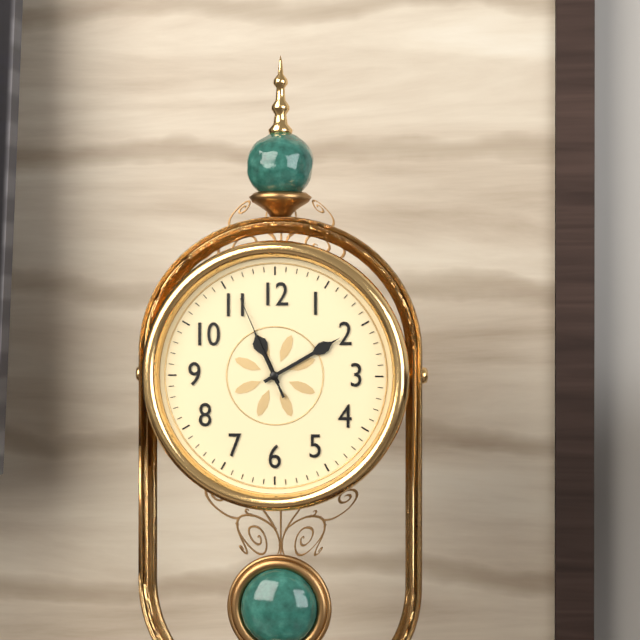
h=11 m=10 s=56
